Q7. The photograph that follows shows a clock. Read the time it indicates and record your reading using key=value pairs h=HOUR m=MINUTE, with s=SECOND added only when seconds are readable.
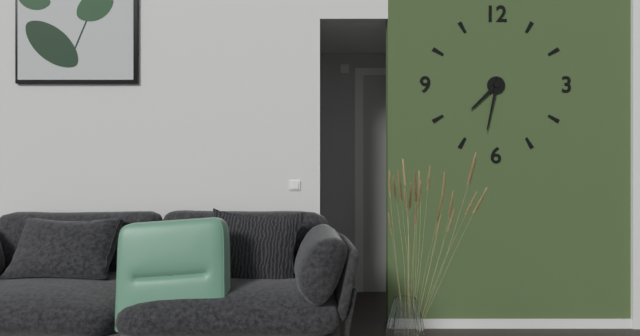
h=7 m=32
